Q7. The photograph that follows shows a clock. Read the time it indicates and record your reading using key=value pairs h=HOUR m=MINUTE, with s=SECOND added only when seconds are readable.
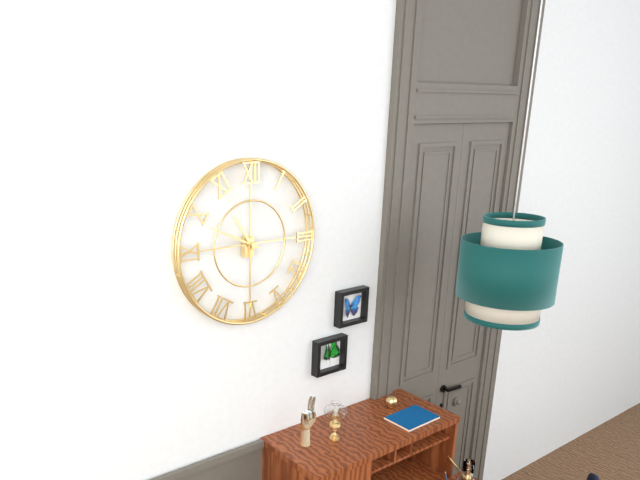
h=10 m=49
